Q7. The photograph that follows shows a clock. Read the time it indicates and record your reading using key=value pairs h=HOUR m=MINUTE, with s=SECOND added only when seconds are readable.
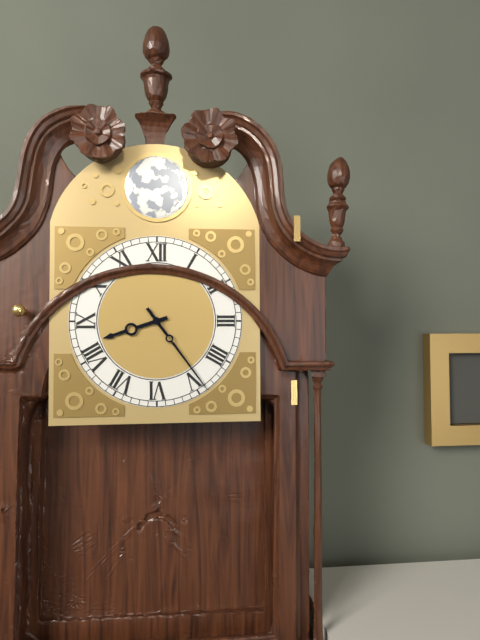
h=8 m=24
